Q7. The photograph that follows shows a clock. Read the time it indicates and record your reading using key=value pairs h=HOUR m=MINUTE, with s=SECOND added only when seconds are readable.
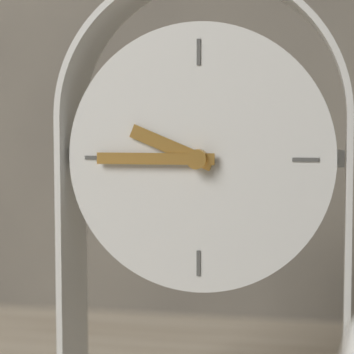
h=9 m=45
